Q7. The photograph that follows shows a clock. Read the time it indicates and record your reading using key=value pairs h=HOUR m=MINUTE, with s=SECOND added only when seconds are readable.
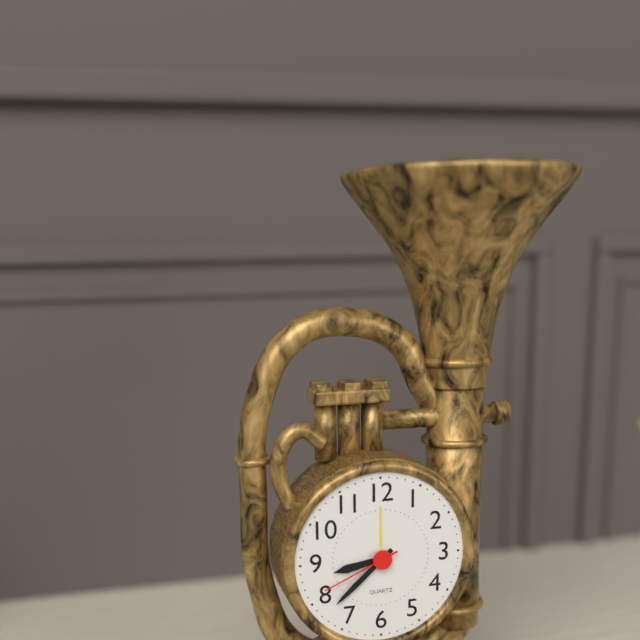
h=8 m=38 s=41
